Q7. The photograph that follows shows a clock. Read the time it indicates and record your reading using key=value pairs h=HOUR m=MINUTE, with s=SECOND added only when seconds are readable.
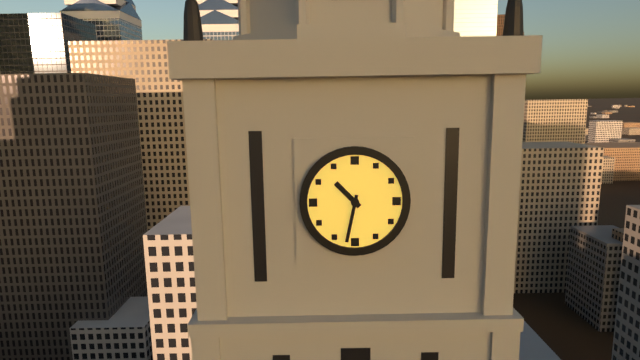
h=10 m=32
